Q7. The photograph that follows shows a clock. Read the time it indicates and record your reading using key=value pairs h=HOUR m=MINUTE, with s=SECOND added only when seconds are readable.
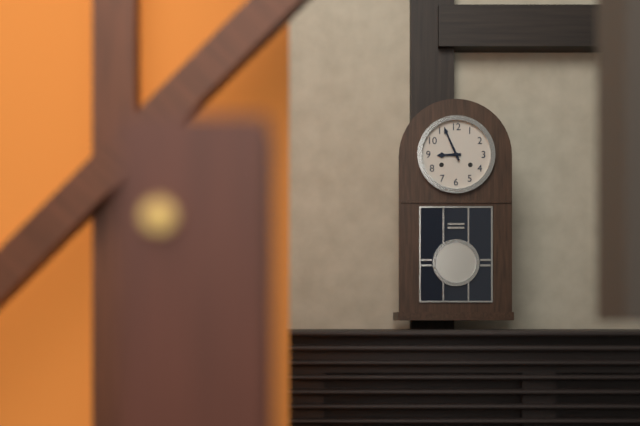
h=8 m=56
